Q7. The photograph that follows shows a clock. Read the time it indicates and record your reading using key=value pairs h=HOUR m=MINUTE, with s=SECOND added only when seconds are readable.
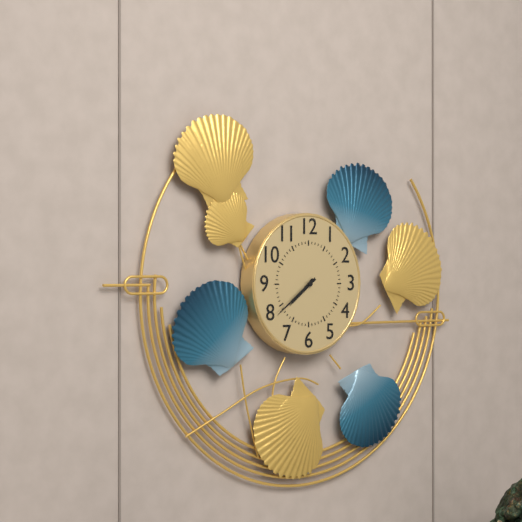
h=7 m=39
